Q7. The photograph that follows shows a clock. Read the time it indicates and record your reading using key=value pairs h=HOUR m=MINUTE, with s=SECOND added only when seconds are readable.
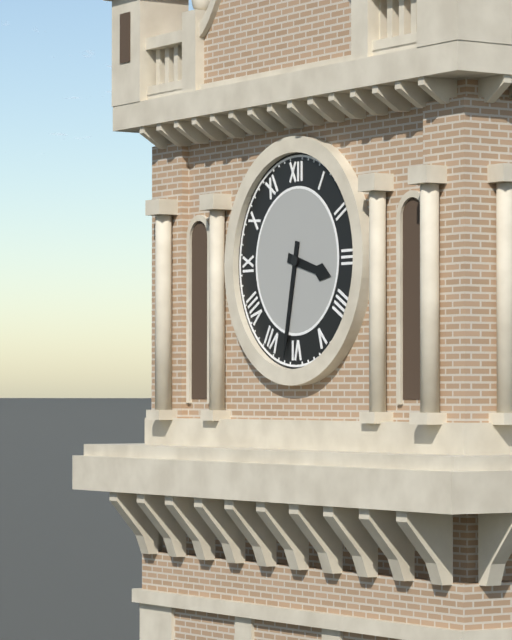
h=3 m=32
